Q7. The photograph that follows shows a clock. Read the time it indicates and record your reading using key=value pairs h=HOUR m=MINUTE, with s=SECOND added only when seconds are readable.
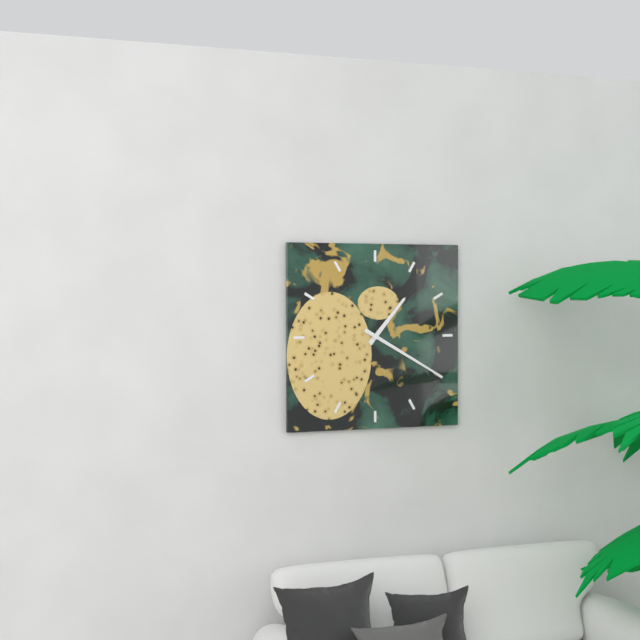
h=1 m=20
